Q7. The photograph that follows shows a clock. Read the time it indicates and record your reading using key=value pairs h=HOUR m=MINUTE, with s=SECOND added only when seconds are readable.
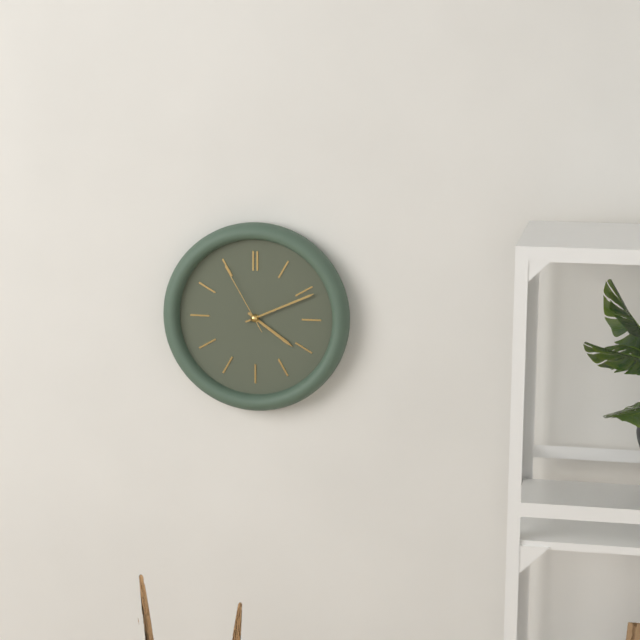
h=4 m=11 s=55
